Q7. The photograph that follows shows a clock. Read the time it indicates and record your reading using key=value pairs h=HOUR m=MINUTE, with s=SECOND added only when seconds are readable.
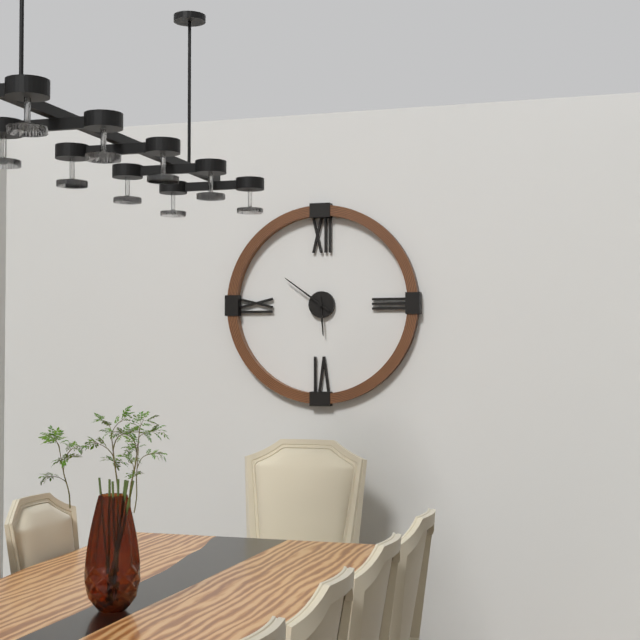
h=5 m=51
